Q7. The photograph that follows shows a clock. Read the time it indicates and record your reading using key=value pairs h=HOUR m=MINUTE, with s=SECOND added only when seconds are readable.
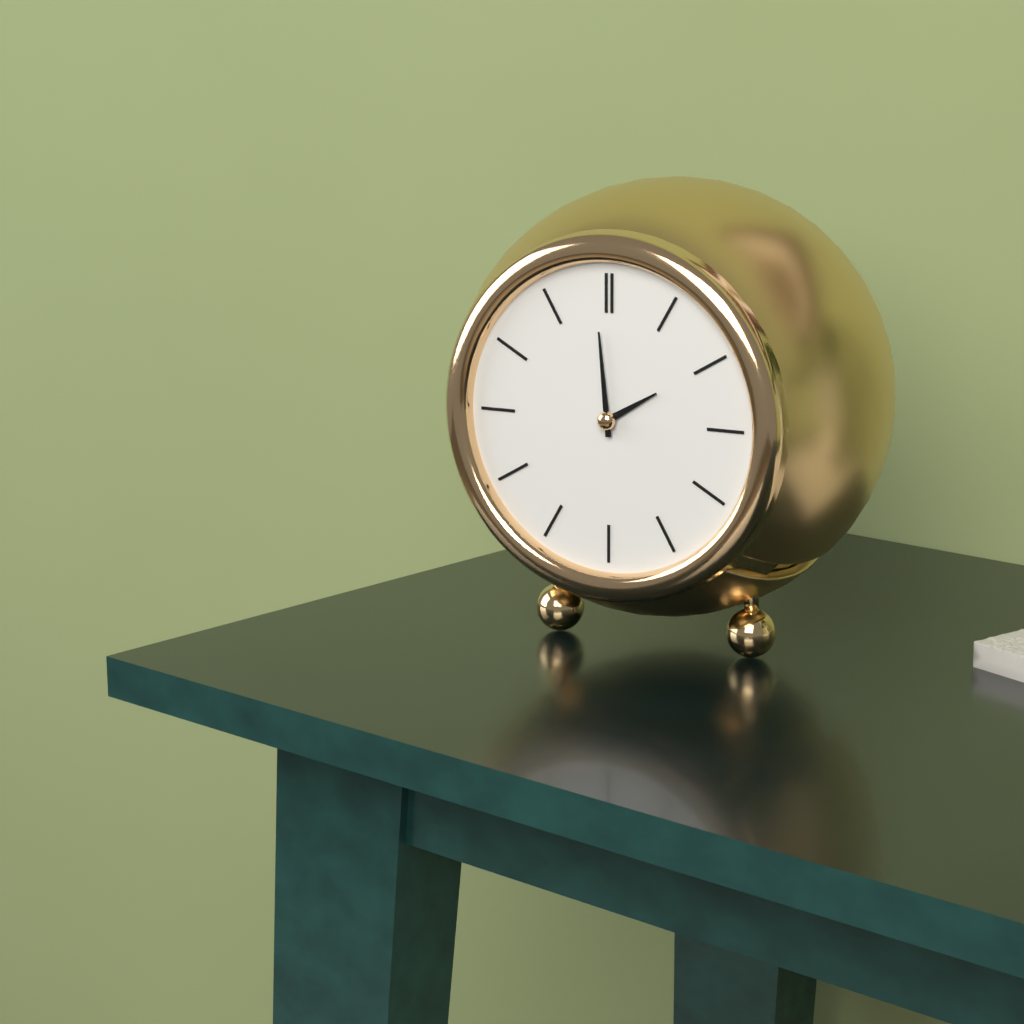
h=1 m=59
